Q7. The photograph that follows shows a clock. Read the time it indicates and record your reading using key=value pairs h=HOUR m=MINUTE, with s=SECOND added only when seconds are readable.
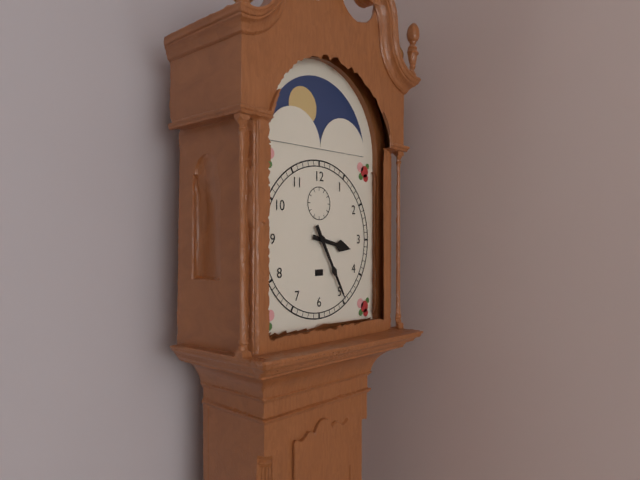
h=3 m=25
